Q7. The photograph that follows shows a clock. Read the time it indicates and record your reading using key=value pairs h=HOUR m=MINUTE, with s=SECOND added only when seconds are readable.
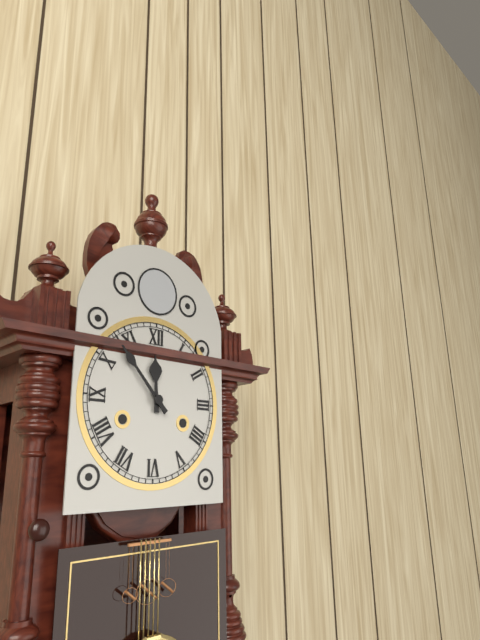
h=11 m=53
